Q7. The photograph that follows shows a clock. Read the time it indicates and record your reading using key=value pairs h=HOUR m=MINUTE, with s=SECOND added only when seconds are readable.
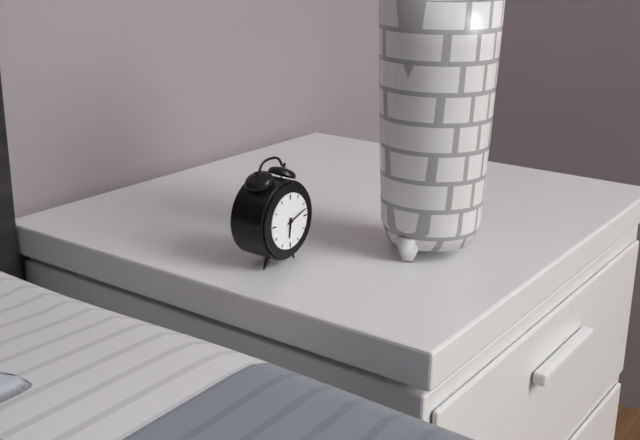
h=6 m=12
